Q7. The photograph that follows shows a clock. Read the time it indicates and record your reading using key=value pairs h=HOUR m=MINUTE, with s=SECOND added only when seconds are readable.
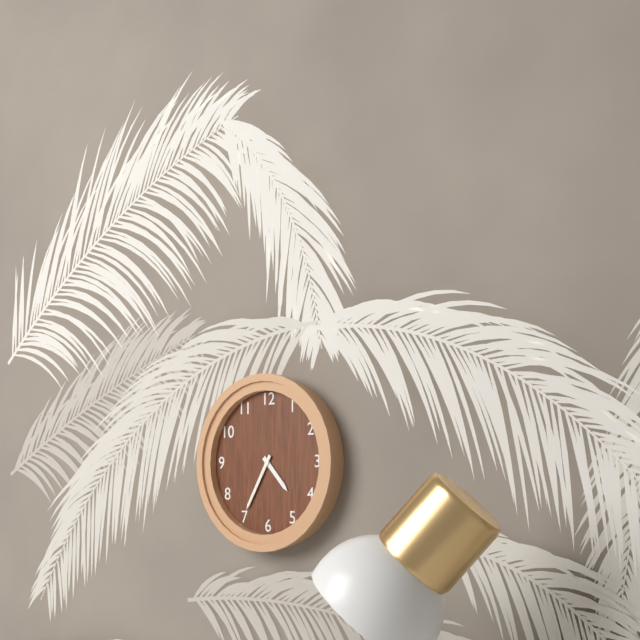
h=4 m=35
